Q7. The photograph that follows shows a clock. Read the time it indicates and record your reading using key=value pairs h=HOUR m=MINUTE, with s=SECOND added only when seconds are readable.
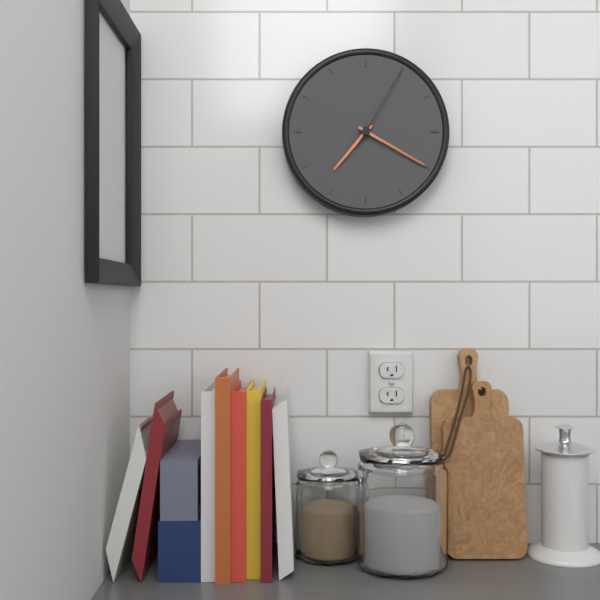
h=7 m=20 s=5
